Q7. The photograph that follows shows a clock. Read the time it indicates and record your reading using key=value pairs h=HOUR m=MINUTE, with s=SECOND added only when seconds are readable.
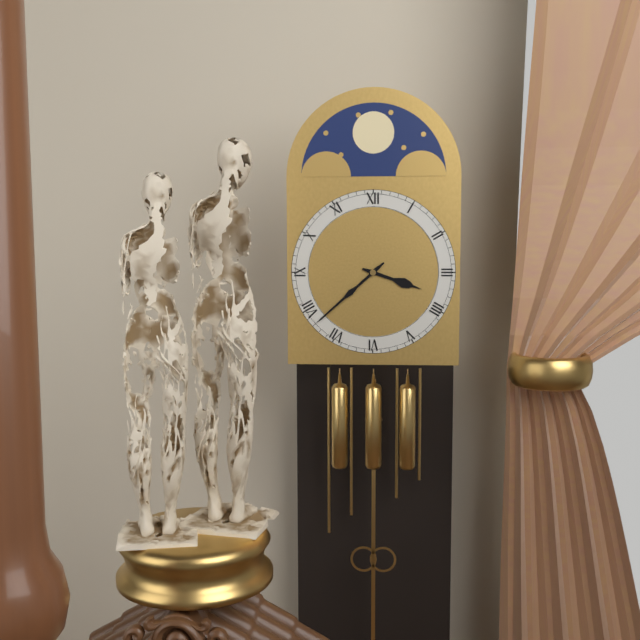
h=3 m=38
